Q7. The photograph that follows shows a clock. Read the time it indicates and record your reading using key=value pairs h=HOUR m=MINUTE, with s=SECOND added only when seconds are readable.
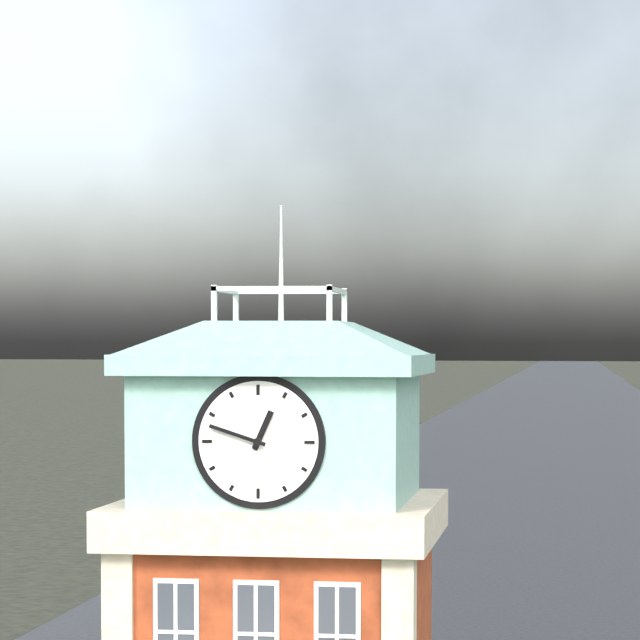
h=12 m=48
